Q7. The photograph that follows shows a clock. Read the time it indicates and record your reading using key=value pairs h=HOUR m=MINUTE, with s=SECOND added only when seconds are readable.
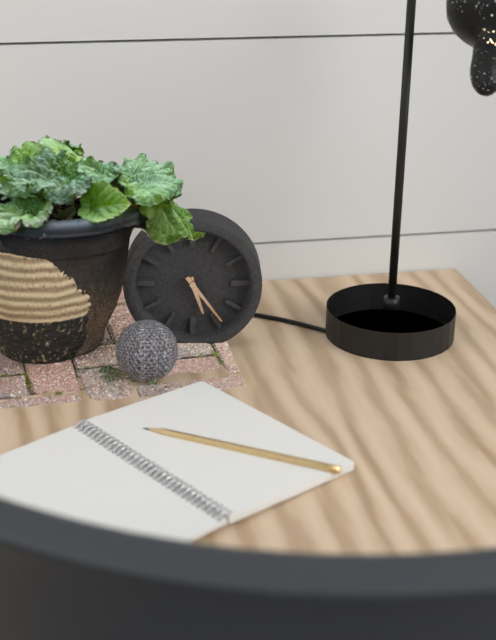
h=5 m=24
